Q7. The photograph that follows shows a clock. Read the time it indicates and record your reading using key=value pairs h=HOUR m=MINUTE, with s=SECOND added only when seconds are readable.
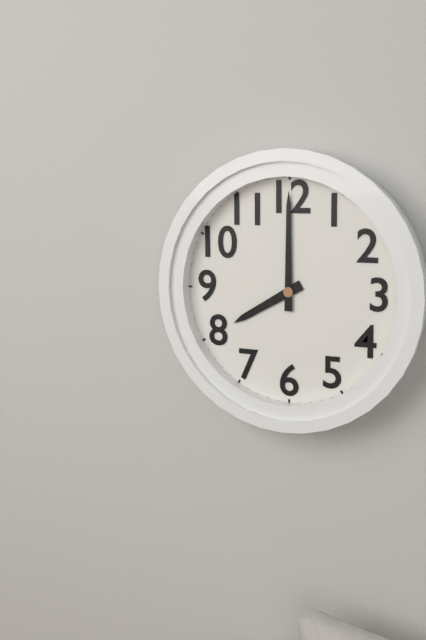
h=8 m=0
